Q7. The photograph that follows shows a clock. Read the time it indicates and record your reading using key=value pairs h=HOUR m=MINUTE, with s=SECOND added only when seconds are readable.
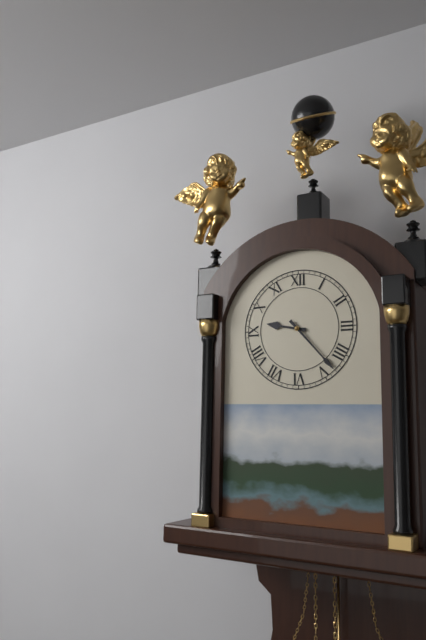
h=9 m=23
